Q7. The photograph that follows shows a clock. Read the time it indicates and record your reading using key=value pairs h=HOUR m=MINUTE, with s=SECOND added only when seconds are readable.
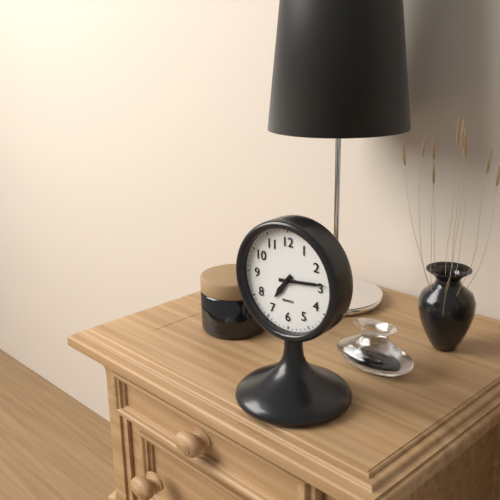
h=7 m=14
